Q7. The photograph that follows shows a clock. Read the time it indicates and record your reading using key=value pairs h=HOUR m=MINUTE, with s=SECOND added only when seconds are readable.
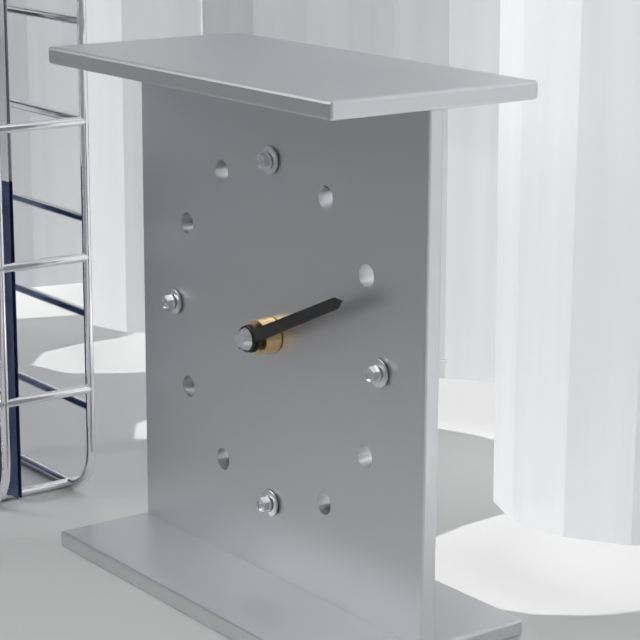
h=2 m=11
